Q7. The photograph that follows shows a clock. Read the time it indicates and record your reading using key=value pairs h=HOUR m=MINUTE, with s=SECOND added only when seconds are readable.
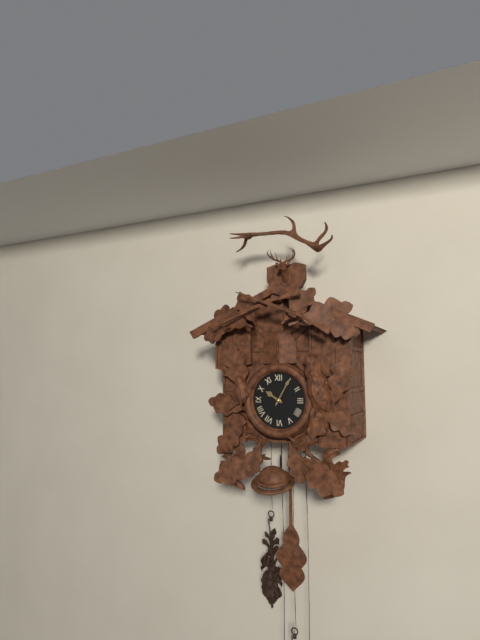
h=10 m=5
